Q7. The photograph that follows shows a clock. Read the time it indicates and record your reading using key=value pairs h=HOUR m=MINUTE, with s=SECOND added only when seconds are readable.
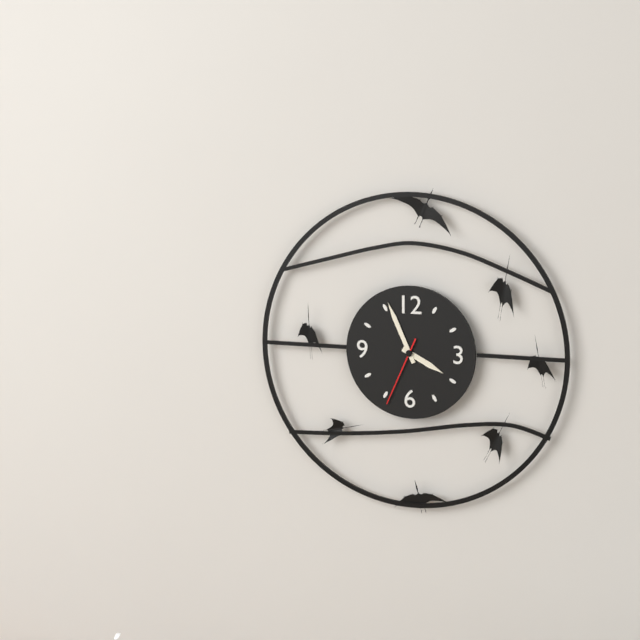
h=3 m=56 s=34
